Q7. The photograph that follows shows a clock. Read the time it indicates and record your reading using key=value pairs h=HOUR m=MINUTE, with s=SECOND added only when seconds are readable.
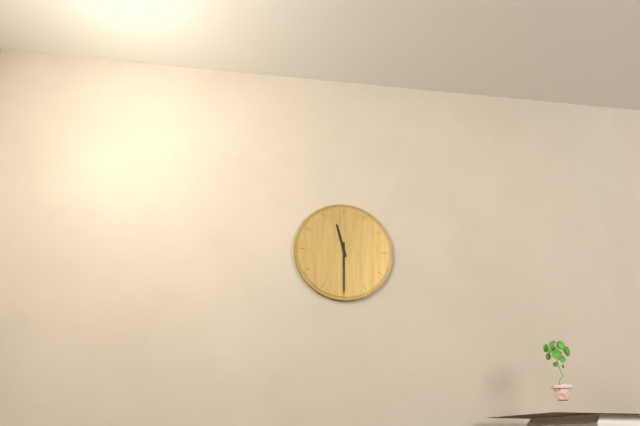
h=11 m=30
